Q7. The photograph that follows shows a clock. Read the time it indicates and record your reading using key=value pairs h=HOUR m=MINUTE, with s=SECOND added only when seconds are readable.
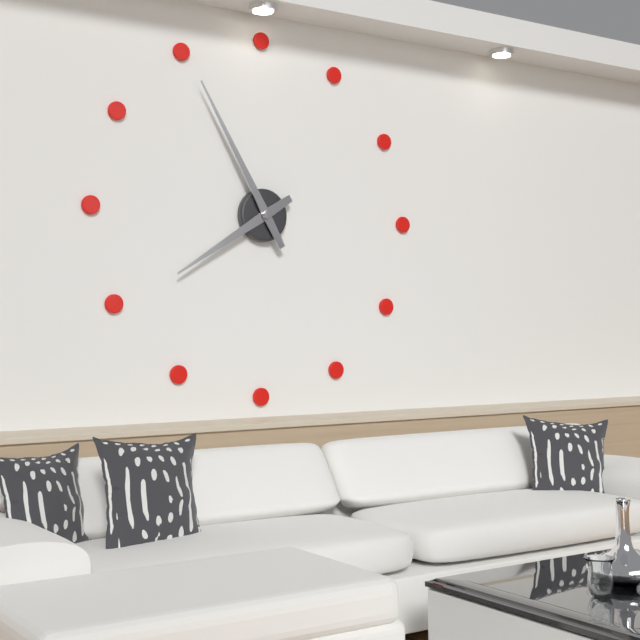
h=7 m=55
